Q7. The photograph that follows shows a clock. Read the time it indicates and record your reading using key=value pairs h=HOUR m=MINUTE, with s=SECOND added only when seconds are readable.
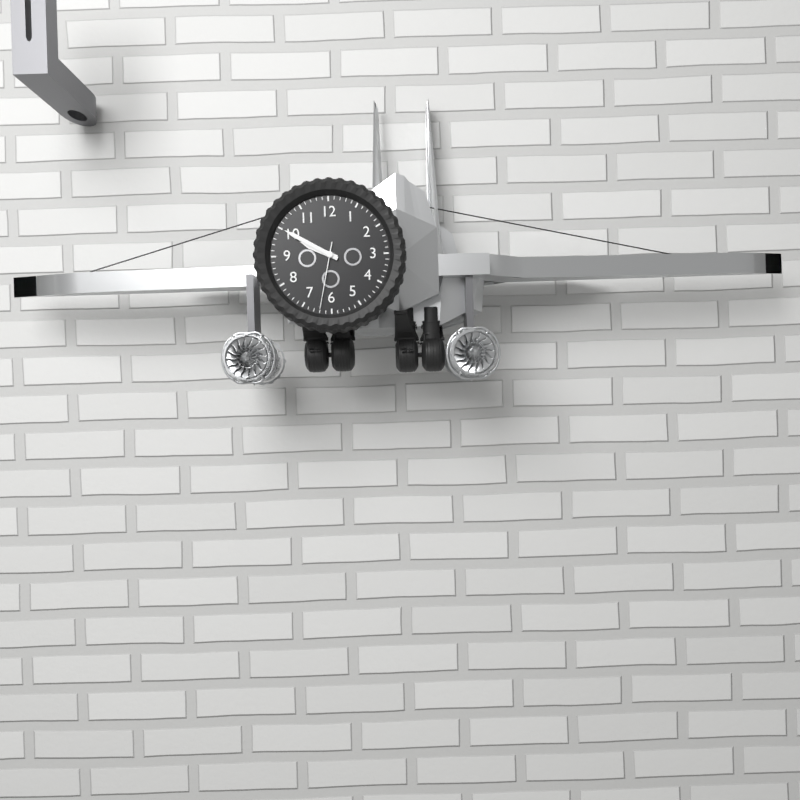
h=9 m=50 s=32
